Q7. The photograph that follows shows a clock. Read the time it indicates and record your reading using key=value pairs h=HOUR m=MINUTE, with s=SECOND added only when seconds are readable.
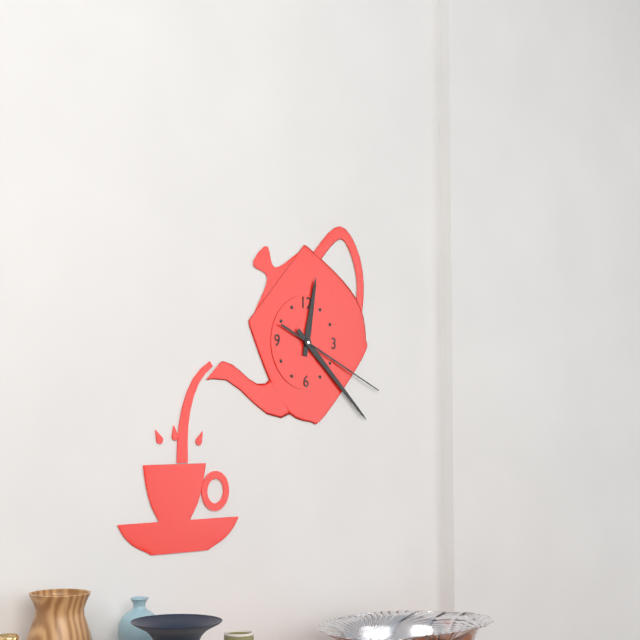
h=12 m=22 s=19
